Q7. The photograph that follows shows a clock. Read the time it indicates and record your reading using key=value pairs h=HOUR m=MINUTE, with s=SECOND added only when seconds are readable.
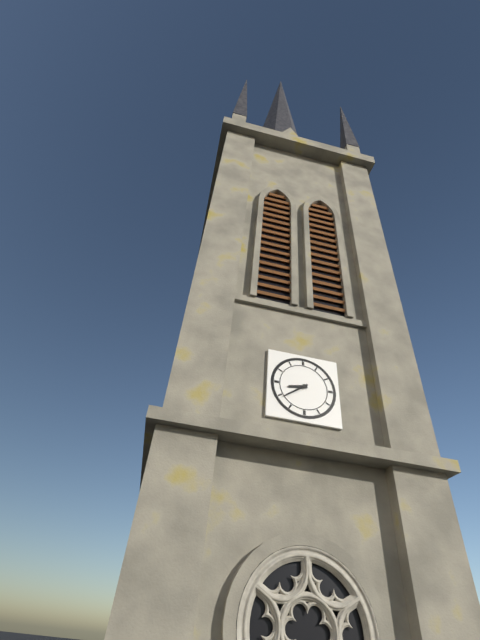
h=8 m=39
